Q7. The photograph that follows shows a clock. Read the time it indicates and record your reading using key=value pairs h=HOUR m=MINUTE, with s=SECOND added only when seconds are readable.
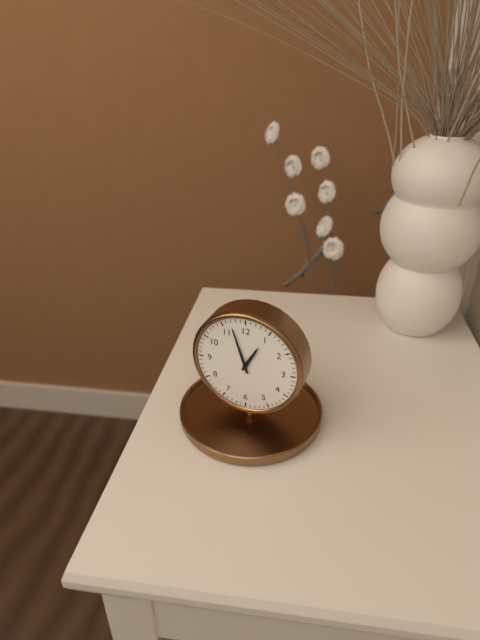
h=12 m=57
